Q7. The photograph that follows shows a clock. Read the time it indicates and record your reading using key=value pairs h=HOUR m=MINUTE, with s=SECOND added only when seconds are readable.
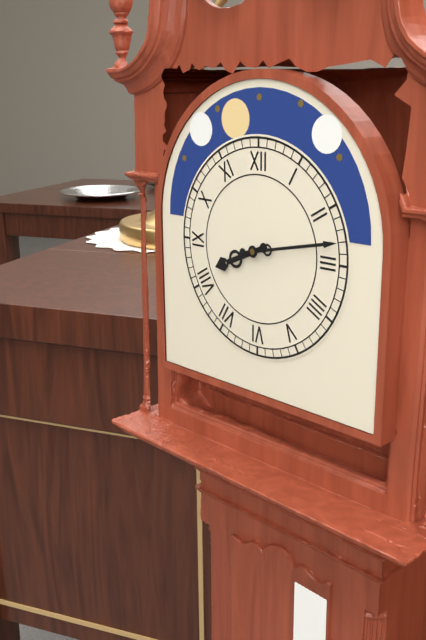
h=8 m=13
